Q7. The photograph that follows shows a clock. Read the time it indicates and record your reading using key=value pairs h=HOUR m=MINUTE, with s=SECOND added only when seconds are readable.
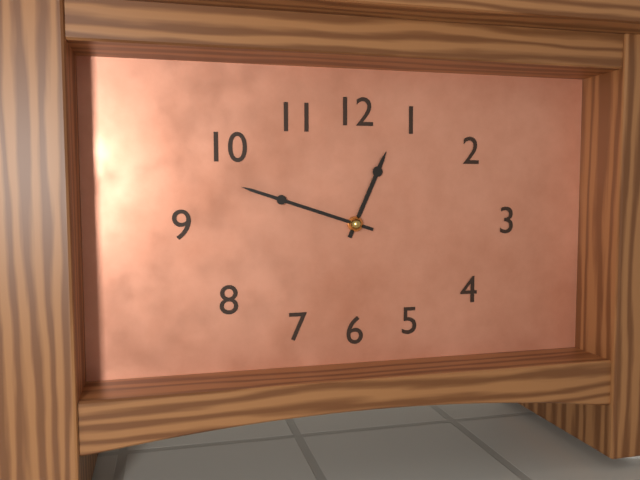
h=12 m=48
